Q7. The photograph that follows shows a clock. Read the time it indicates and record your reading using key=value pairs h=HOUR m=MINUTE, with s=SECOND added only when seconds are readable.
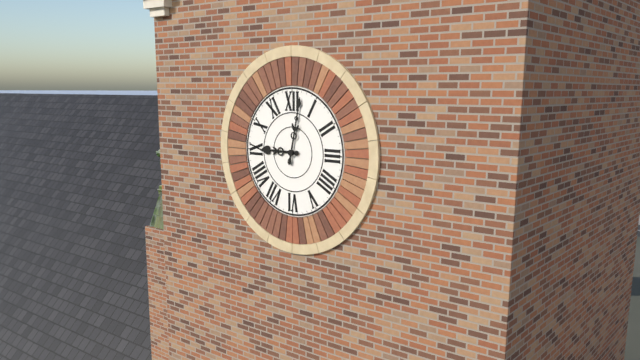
h=9 m=2
